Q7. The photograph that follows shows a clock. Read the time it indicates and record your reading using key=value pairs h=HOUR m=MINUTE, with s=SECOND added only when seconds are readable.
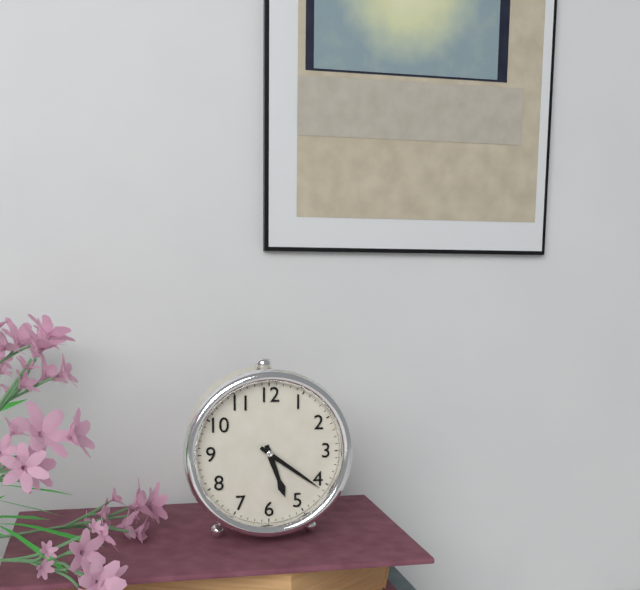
h=5 m=21
